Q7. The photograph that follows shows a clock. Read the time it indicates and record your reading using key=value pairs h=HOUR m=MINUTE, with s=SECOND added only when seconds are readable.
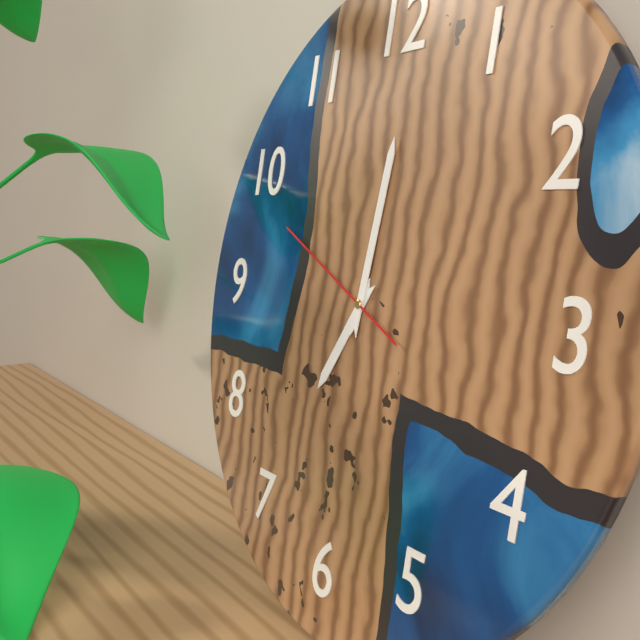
h=7 m=1 s=49
